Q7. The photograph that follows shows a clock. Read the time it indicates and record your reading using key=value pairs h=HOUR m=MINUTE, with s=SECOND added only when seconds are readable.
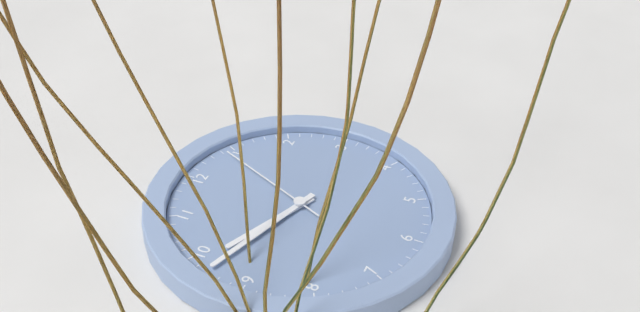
h=9 m=48 s=4
